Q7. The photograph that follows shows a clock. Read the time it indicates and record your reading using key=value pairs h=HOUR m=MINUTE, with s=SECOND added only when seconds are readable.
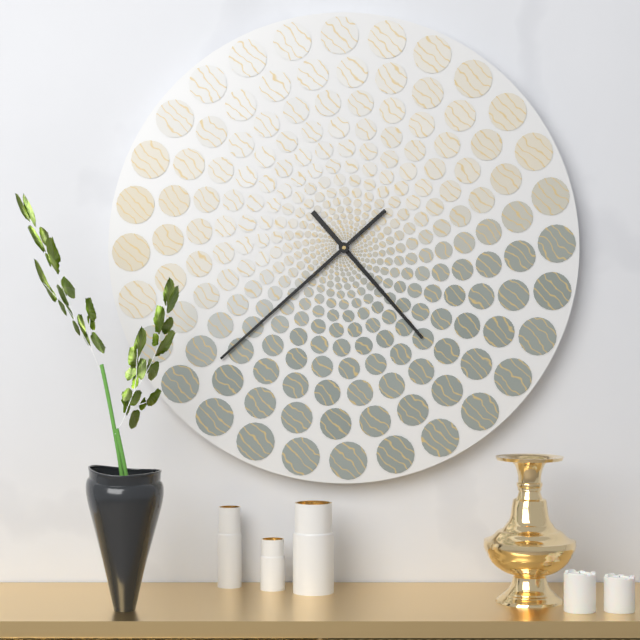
h=4 m=38
